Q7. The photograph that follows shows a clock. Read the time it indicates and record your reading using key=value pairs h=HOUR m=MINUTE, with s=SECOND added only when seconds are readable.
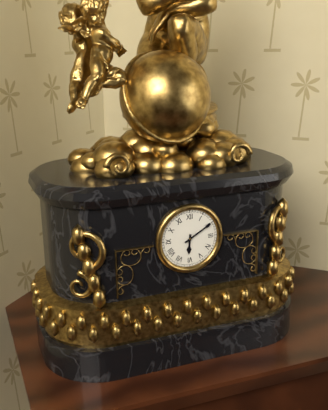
h=6 m=10
